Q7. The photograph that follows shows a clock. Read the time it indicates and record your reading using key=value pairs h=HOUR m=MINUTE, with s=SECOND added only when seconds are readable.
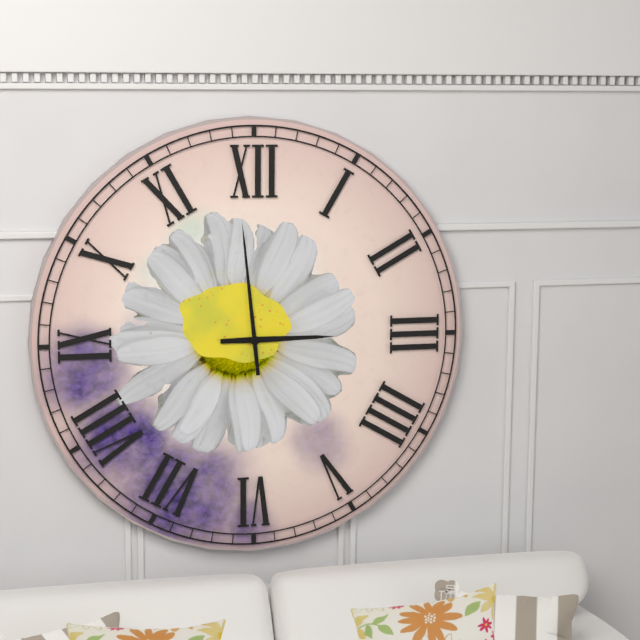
h=2 m=59
